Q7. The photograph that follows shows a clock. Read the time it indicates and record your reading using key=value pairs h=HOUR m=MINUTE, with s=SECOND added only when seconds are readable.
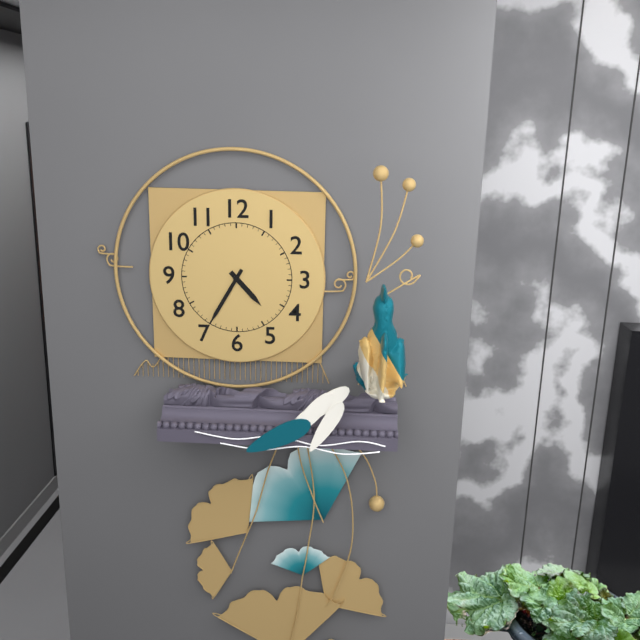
h=4 m=35
